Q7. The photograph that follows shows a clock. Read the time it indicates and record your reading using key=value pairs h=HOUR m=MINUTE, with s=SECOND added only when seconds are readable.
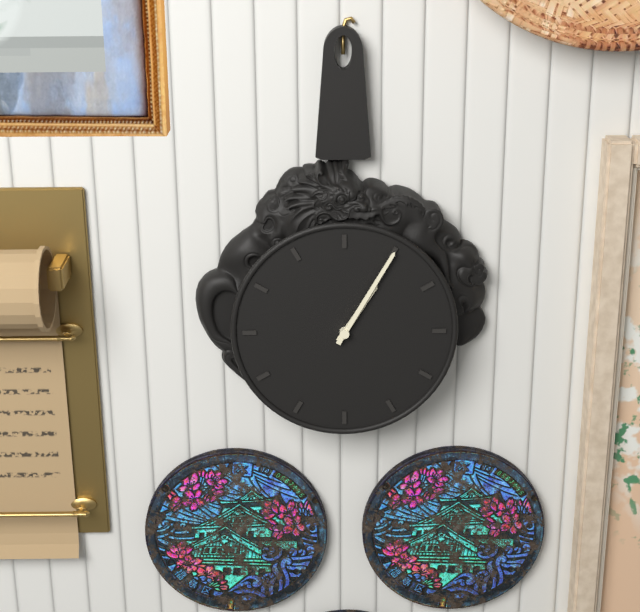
h=1 m=5
